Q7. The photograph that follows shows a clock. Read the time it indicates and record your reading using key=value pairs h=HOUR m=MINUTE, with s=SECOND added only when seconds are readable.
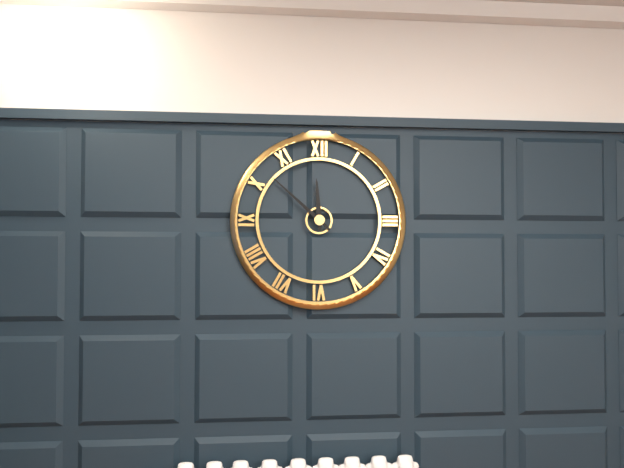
h=11 m=52
